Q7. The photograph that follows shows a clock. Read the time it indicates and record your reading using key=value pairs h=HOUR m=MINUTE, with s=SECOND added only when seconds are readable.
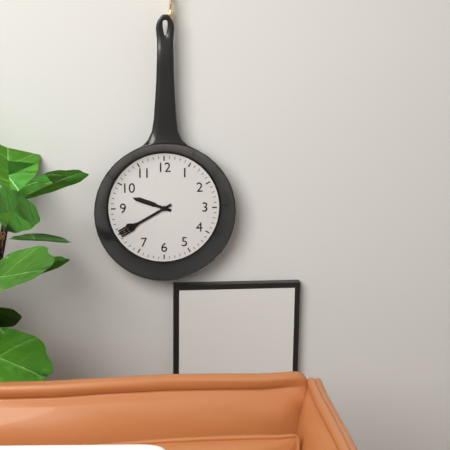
h=9 m=40
